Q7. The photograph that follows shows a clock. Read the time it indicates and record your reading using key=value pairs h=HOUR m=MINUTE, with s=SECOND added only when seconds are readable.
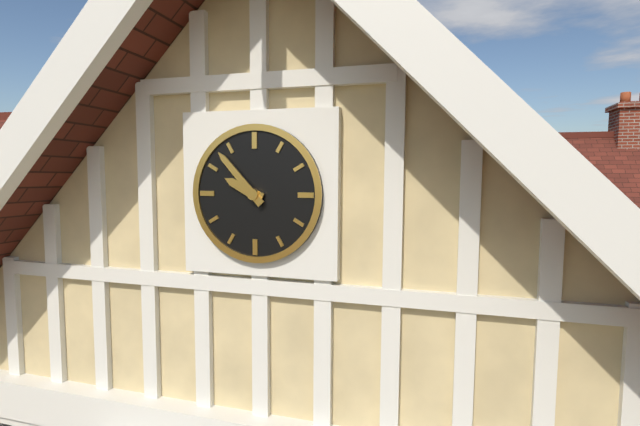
h=9 m=53
